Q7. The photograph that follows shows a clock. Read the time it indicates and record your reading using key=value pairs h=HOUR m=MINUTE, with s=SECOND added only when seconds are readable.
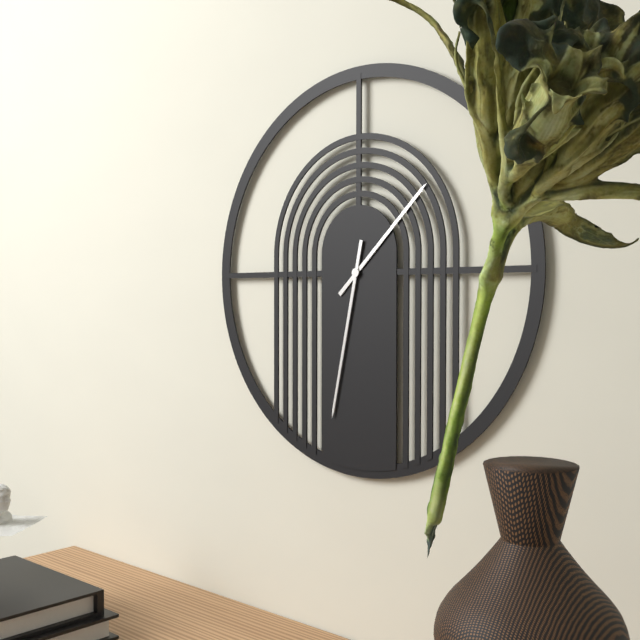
h=1 m=32
